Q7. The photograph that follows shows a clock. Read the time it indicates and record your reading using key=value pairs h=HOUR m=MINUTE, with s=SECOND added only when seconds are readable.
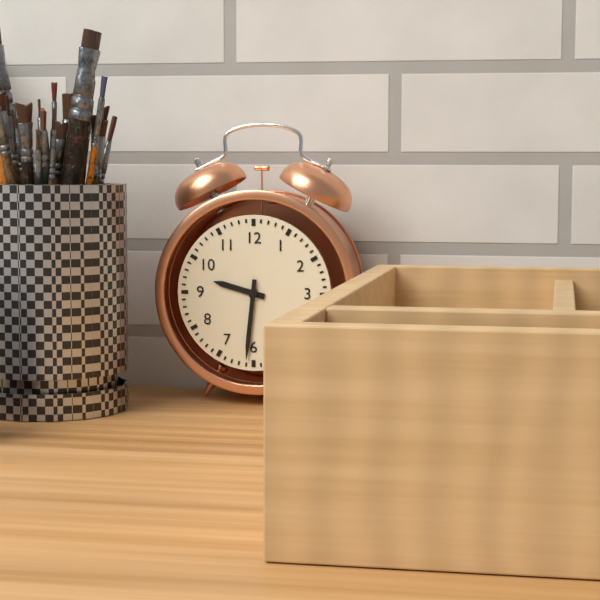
h=9 m=31
